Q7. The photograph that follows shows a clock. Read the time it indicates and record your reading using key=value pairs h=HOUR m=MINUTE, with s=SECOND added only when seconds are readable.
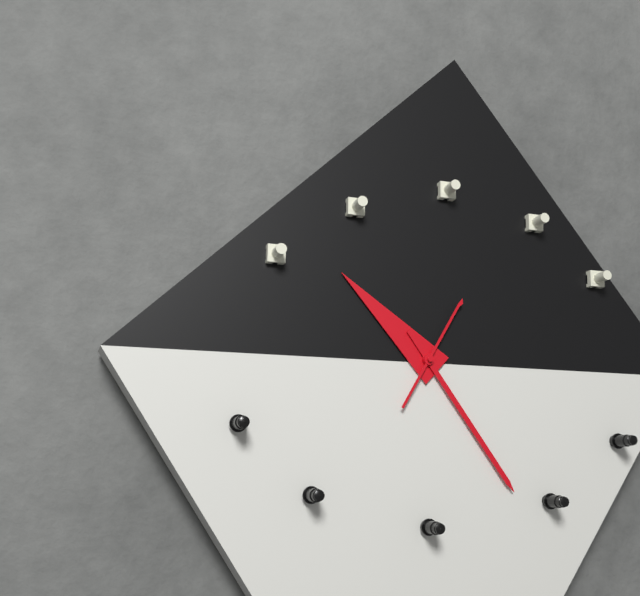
h=10 m=24 s=5
